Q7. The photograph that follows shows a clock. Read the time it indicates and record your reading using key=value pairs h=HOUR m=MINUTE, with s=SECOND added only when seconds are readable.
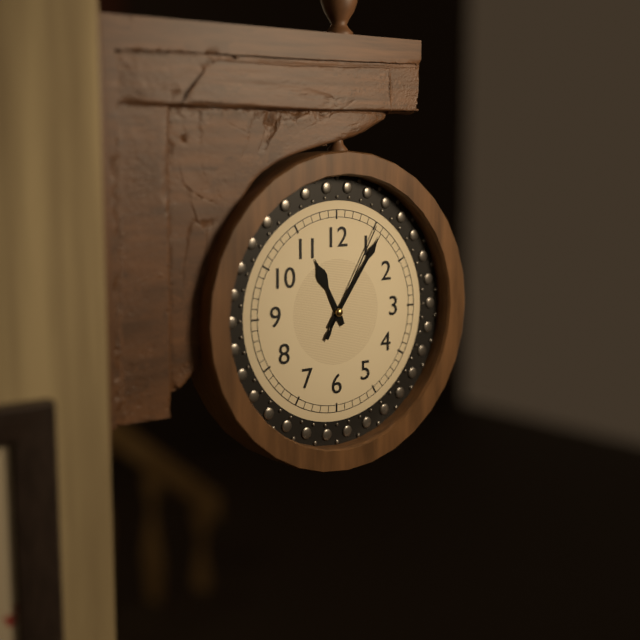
h=11 m=6 s=5
